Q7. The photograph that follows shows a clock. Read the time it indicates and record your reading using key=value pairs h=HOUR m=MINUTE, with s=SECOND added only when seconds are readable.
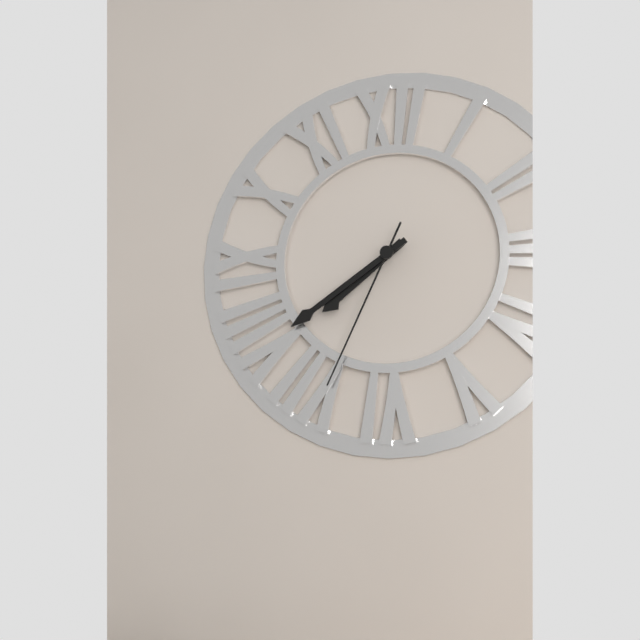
h=7 m=39 s=34
